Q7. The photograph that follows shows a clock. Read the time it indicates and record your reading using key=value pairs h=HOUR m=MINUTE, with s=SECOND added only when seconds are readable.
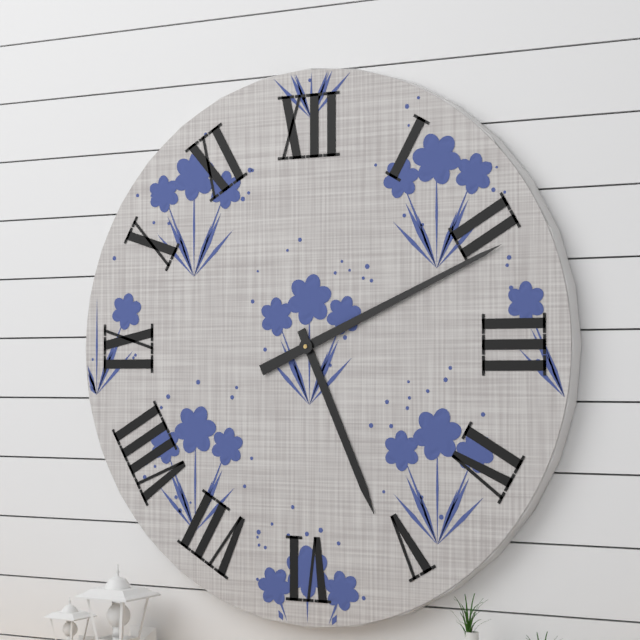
h=5 m=11
